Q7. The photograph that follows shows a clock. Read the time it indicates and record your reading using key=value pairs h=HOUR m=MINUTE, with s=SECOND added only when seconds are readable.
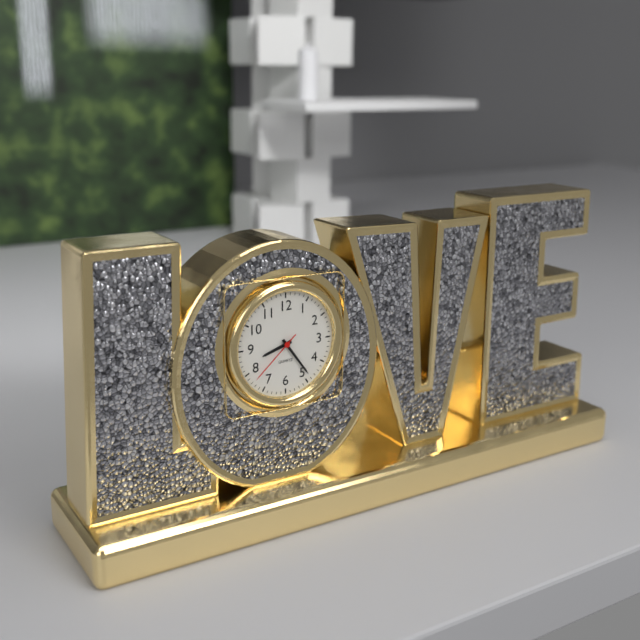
h=8 m=24 s=38
